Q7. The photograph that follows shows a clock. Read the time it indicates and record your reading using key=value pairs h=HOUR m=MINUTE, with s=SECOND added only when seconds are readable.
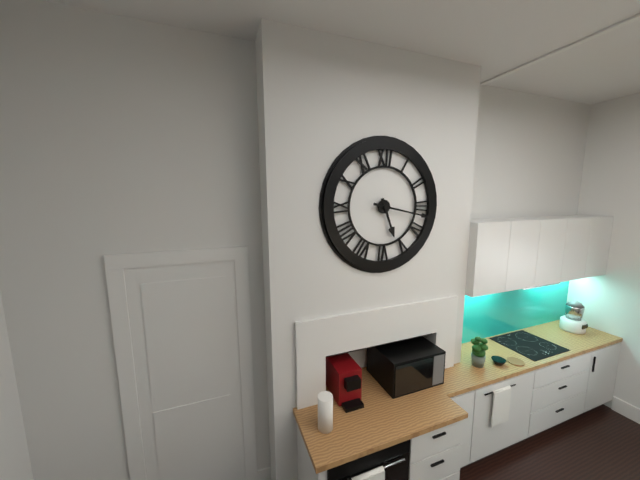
h=5 m=17
